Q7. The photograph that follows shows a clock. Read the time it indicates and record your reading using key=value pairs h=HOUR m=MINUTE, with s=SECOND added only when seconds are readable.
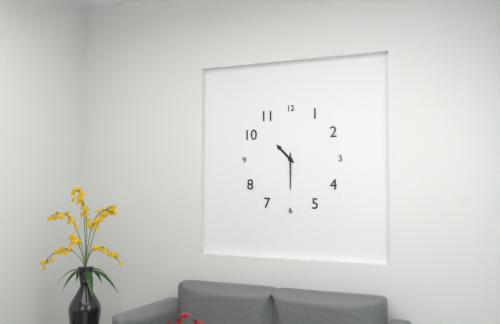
h=10 m=30
